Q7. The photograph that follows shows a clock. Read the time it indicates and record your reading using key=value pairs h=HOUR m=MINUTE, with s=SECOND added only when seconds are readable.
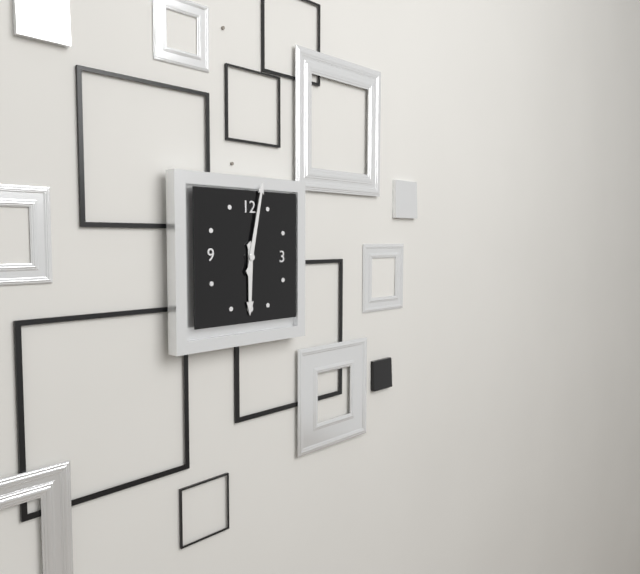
h=6 m=2
